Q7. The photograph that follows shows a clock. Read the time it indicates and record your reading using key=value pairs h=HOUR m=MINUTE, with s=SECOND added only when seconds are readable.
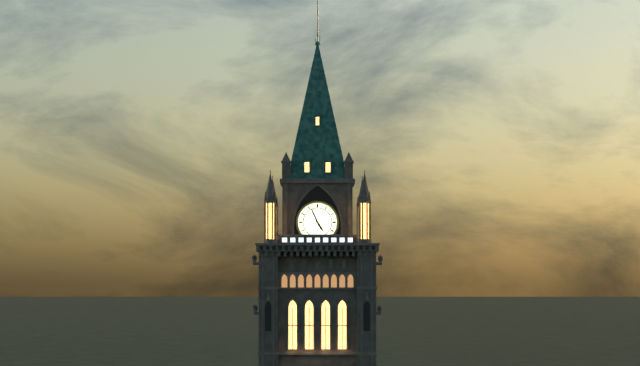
h=4 m=56
